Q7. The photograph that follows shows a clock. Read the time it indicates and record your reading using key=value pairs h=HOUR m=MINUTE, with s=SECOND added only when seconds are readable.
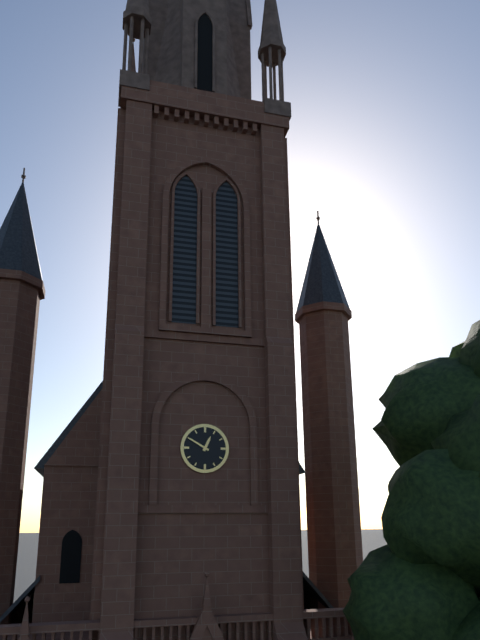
h=12 m=50
